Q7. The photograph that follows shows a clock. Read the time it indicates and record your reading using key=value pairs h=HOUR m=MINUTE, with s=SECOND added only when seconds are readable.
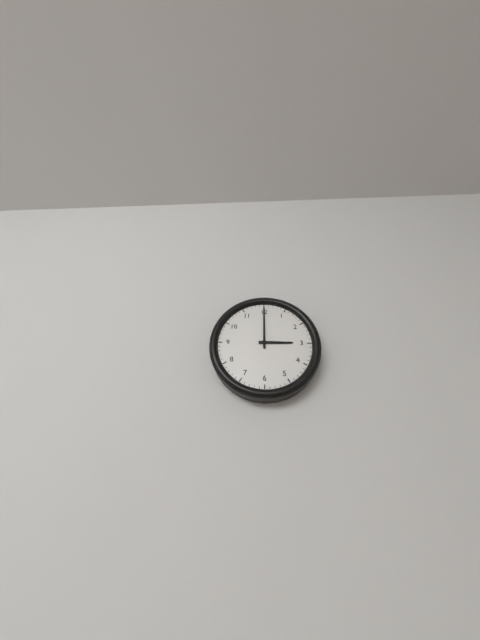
h=3 m=0
